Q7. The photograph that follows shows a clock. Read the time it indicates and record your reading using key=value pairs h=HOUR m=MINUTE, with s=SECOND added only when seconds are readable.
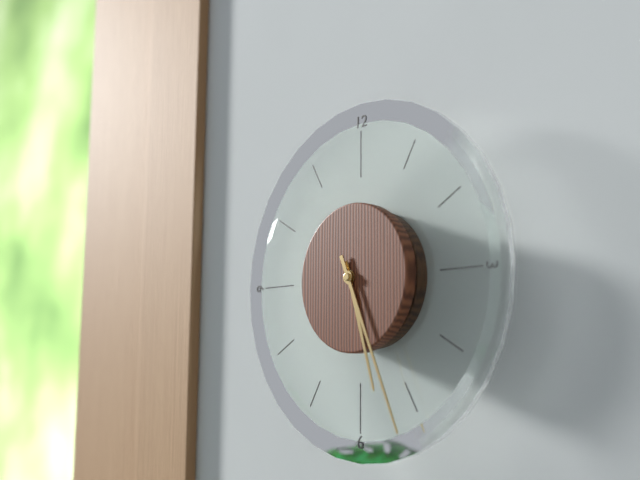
h=5 m=26
